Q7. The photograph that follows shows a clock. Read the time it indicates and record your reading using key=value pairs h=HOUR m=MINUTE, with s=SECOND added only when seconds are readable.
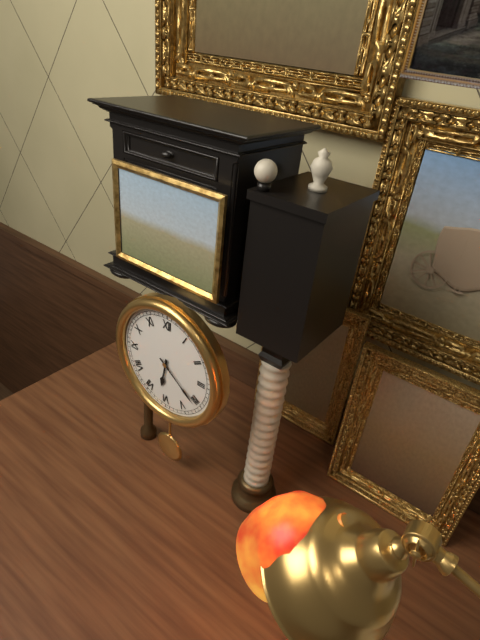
h=6 m=21
